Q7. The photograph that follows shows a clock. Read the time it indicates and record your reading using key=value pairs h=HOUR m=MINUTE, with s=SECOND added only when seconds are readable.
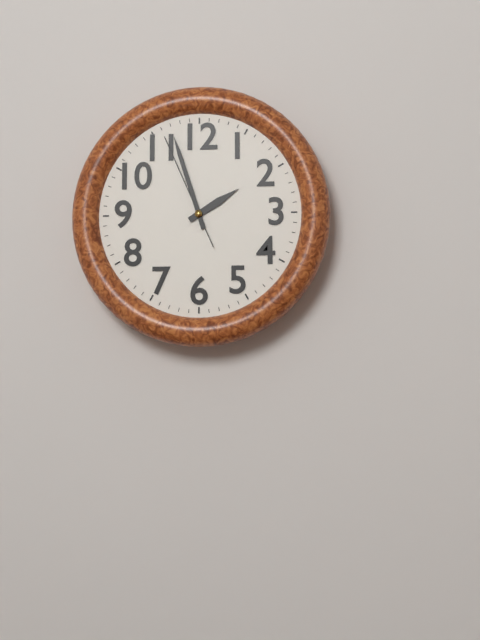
h=1 m=57 s=56
